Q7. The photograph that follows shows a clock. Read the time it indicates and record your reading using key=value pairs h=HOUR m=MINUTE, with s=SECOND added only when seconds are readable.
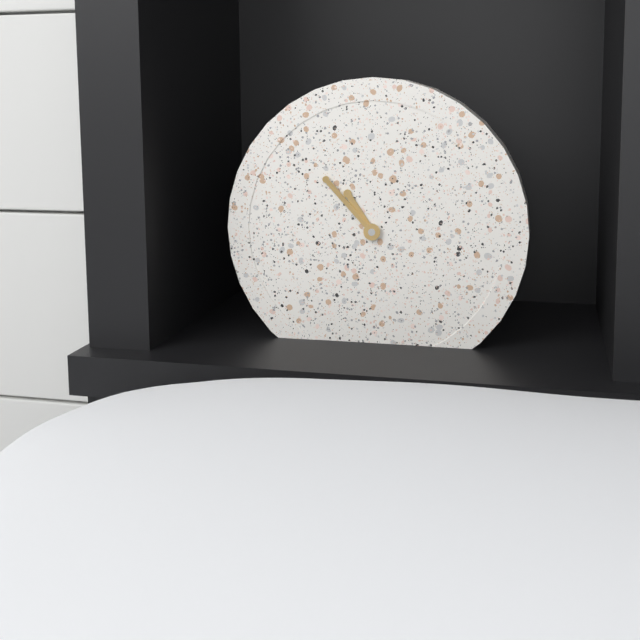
h=10 m=53
